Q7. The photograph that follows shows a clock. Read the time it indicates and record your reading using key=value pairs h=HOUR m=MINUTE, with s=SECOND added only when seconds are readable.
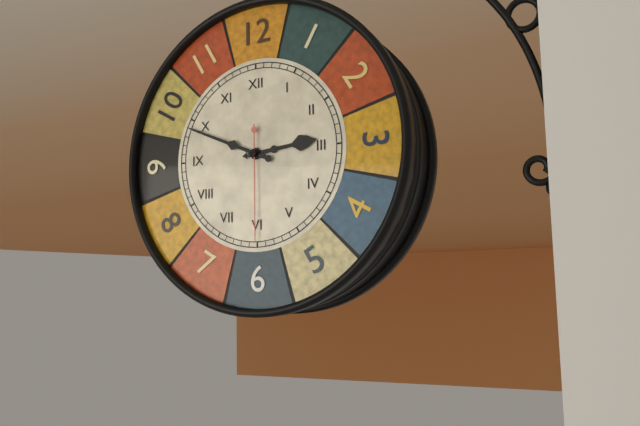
h=2 m=49 s=30
